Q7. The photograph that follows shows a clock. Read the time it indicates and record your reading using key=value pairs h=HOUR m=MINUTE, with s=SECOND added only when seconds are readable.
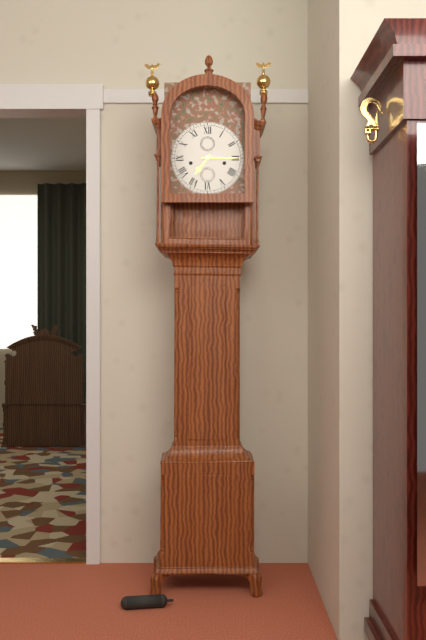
h=7 m=15
